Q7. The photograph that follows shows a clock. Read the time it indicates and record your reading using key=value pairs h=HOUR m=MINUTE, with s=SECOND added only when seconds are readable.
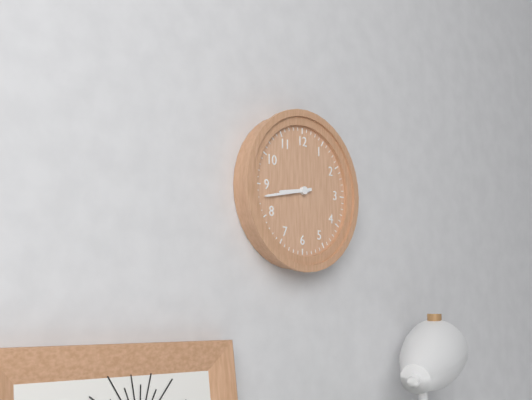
h=8 m=43
